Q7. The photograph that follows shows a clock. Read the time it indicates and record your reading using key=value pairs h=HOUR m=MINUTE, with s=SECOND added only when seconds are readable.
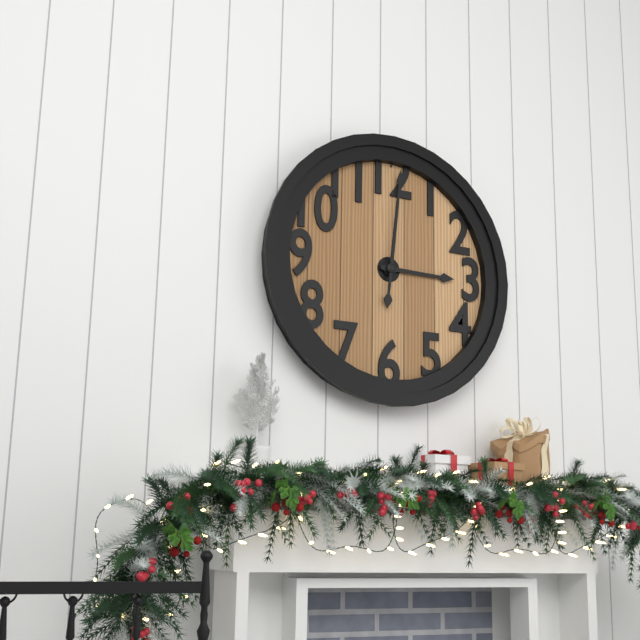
h=3 m=1
